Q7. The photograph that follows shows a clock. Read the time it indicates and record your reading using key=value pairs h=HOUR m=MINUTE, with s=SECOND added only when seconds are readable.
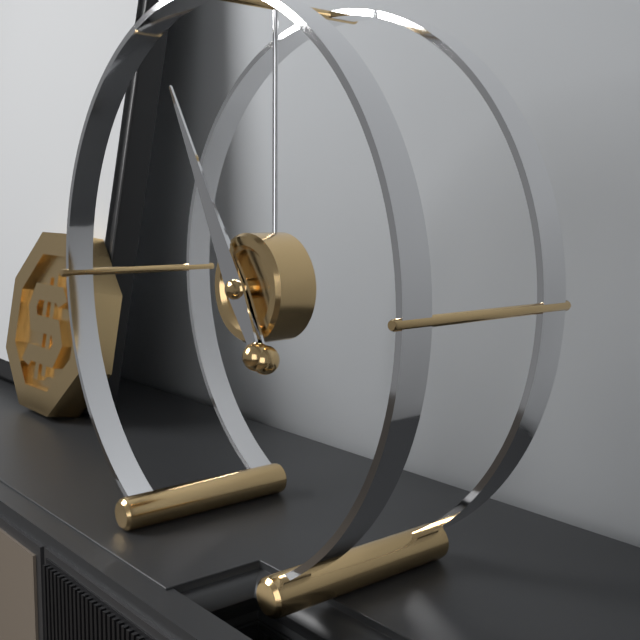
h=10 m=55
